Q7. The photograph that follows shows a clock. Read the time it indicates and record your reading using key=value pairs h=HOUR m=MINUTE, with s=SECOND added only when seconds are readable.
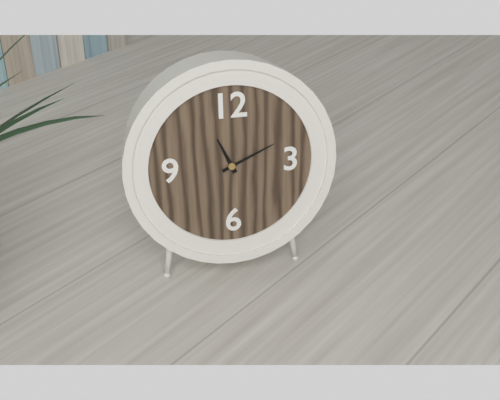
h=11 m=11
